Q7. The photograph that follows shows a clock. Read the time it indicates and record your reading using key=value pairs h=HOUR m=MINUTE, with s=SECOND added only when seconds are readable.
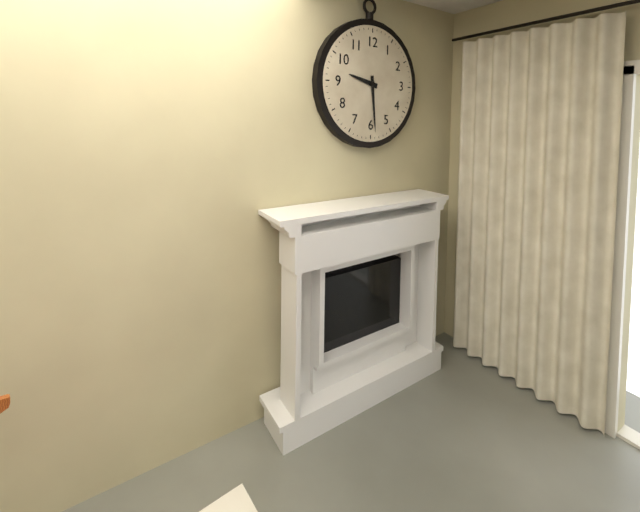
h=9 m=29
